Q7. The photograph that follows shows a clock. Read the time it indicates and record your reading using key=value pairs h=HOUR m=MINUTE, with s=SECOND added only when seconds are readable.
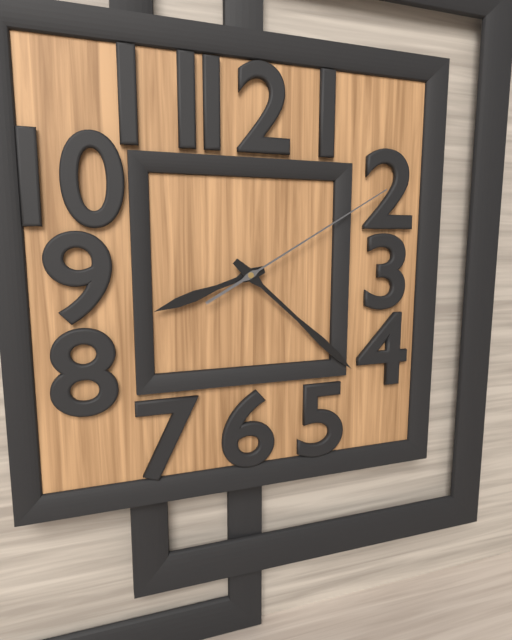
h=8 m=22 s=10
